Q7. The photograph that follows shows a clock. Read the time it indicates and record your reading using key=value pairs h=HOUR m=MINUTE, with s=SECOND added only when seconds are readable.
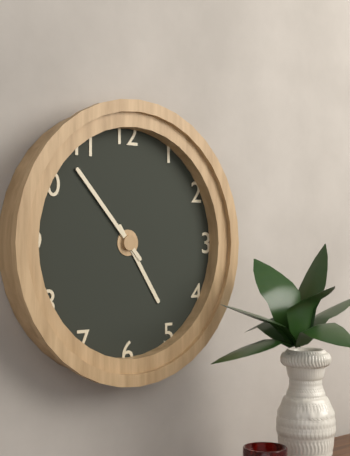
h=4 m=53
